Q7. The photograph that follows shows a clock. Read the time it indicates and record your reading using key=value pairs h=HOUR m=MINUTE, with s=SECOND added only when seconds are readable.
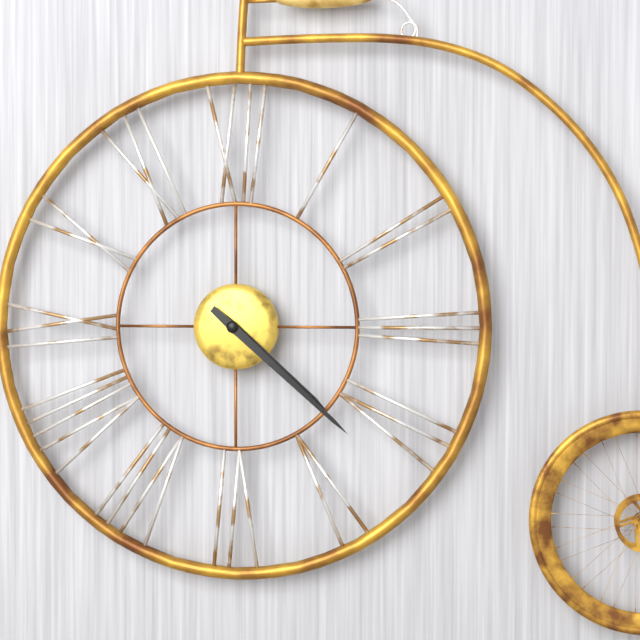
h=4 m=22
